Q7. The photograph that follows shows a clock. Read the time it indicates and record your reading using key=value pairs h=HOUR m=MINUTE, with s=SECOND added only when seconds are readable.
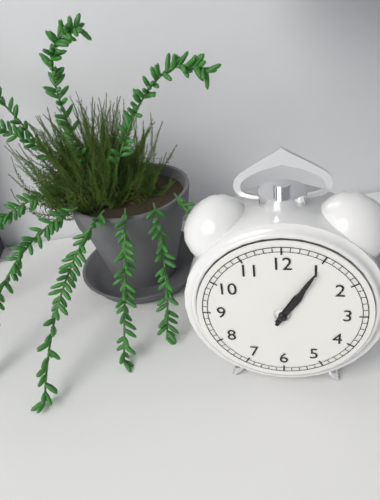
h=1 m=5
